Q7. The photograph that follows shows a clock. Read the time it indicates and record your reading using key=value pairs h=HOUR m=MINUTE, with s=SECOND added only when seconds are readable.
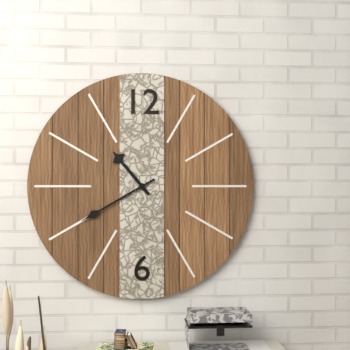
h=10 m=40
